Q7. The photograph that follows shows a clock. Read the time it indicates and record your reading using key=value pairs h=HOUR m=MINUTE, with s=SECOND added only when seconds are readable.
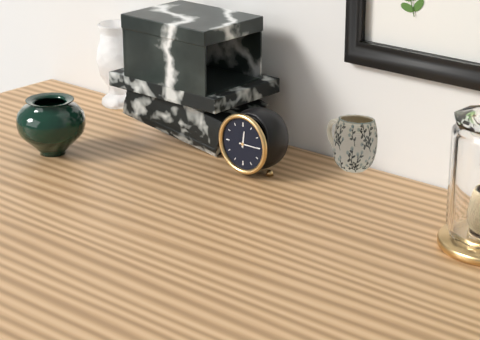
h=12 m=15
